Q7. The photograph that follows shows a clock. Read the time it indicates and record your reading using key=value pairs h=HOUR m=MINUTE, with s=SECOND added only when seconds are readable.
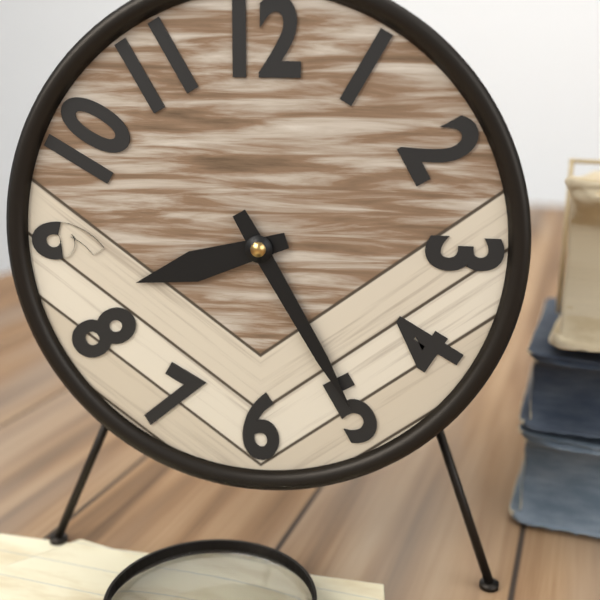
h=8 m=25
